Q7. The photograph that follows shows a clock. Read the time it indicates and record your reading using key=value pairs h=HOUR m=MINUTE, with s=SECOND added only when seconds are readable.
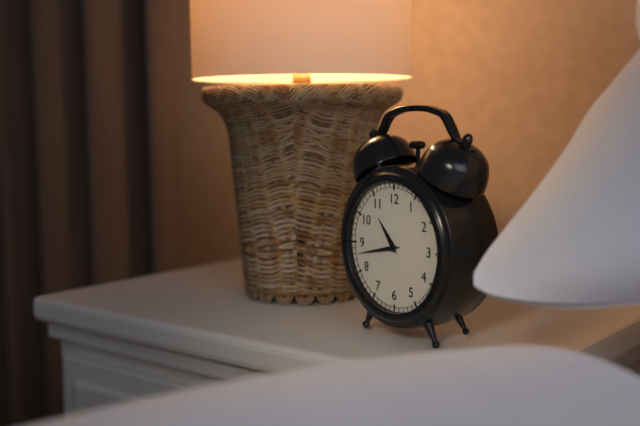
h=10 m=43
